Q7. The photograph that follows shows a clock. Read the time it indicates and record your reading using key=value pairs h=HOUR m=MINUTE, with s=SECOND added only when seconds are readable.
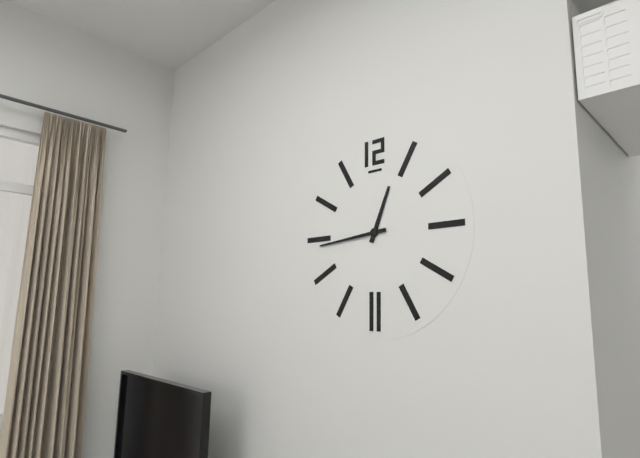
h=12 m=44
